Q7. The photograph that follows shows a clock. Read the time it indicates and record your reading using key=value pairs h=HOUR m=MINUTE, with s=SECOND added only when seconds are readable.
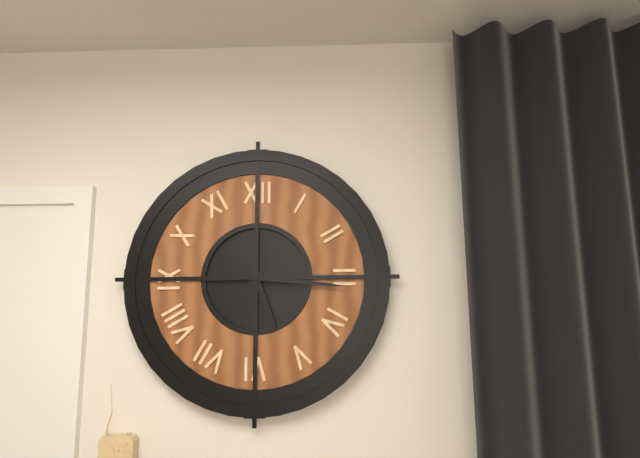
h=5 m=16
